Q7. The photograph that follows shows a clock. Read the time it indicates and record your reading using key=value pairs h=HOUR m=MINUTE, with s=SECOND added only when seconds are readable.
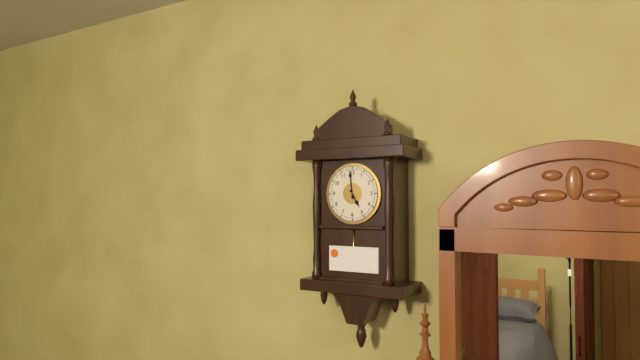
h=4 m=59
